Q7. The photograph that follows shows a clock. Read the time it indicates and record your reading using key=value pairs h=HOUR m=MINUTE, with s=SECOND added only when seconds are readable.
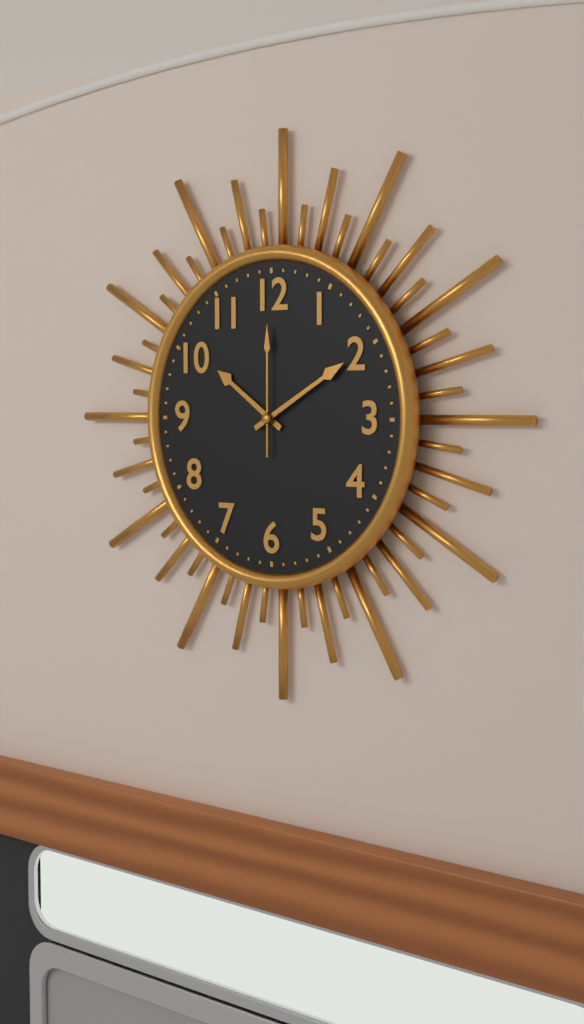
h=10 m=10 s=0
